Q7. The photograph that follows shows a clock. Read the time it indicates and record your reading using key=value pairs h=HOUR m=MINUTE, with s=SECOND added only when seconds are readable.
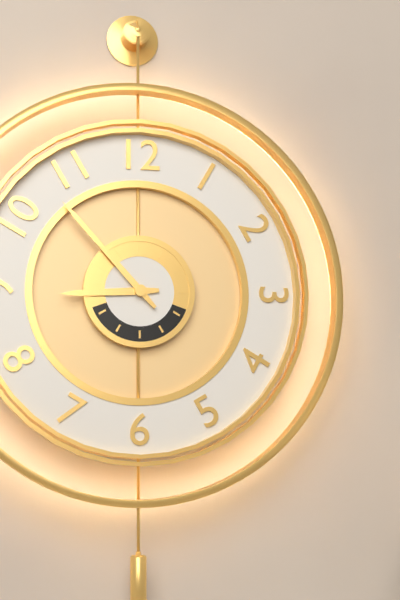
h=8 m=53
